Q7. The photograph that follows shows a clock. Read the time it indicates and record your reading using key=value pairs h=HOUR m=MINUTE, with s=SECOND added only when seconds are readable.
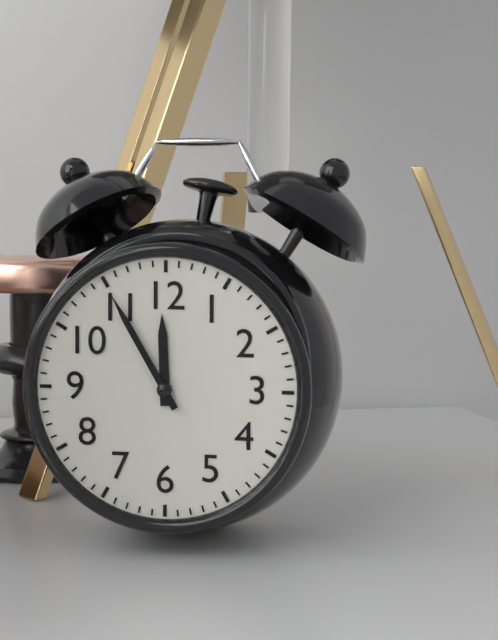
h=11 m=55
